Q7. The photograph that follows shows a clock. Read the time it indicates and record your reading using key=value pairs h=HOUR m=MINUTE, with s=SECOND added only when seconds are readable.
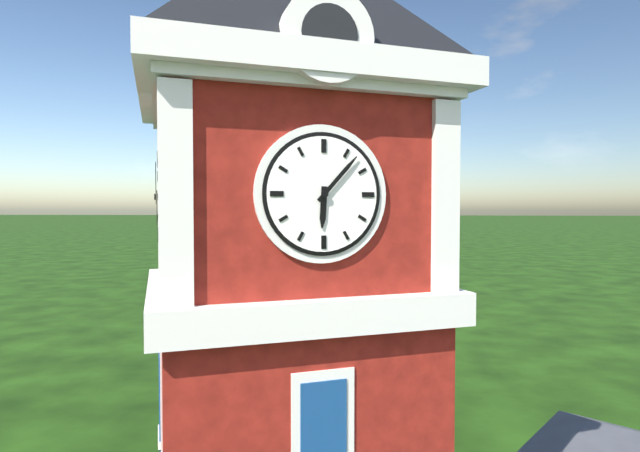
h=6 m=7
